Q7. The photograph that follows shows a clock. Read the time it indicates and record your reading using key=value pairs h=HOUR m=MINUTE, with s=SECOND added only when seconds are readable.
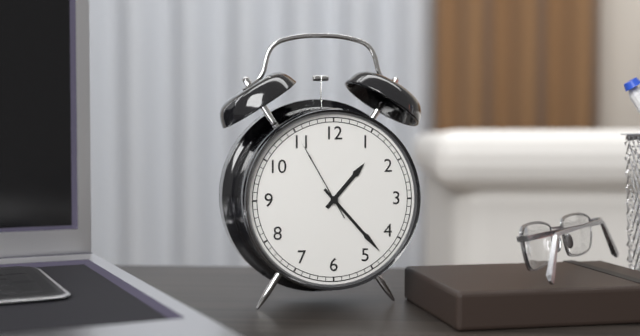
h=1 m=23 s=55
